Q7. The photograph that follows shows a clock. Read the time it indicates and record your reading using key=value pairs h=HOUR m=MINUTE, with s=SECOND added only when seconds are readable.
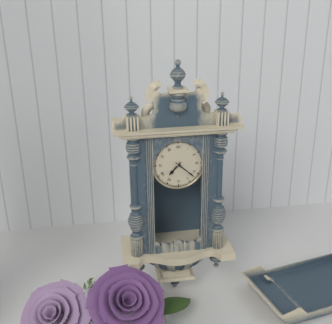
h=7 m=22
